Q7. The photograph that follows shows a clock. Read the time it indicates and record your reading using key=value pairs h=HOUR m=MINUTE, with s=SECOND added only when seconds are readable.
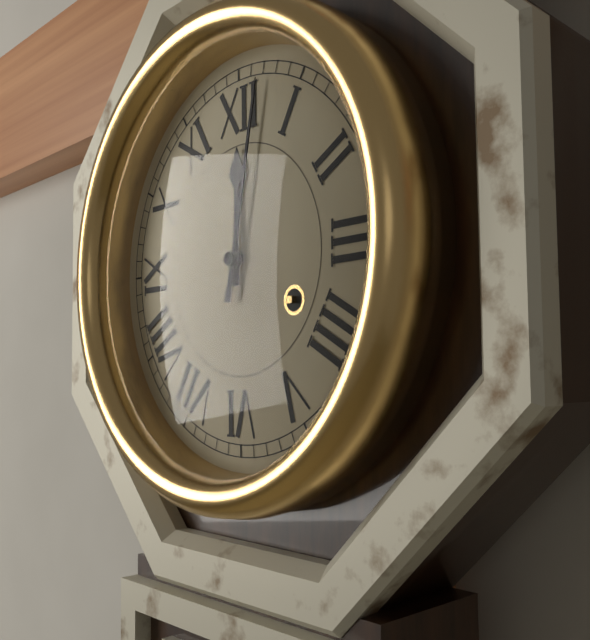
h=12 m=2
